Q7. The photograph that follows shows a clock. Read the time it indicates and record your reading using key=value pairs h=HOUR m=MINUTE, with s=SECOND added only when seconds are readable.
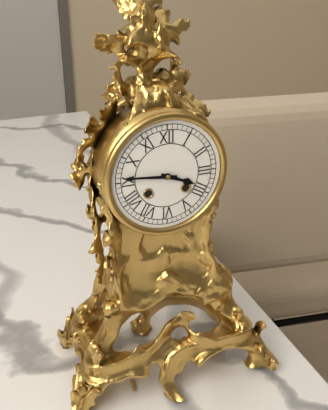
h=3 m=46
